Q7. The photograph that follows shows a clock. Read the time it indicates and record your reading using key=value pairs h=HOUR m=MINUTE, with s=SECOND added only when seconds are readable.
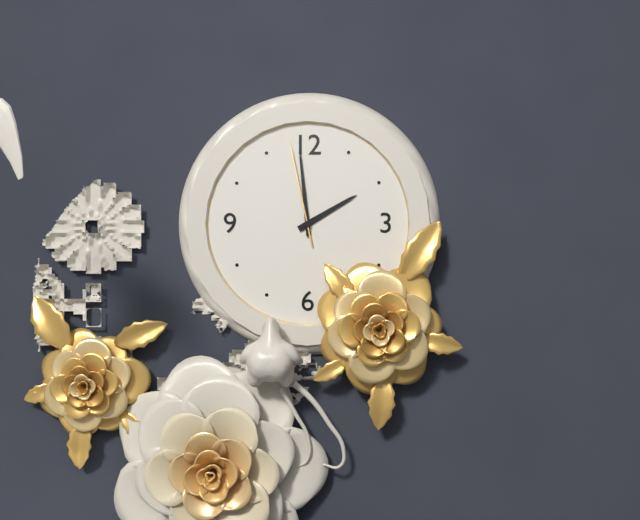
h=1 m=59 s=58
